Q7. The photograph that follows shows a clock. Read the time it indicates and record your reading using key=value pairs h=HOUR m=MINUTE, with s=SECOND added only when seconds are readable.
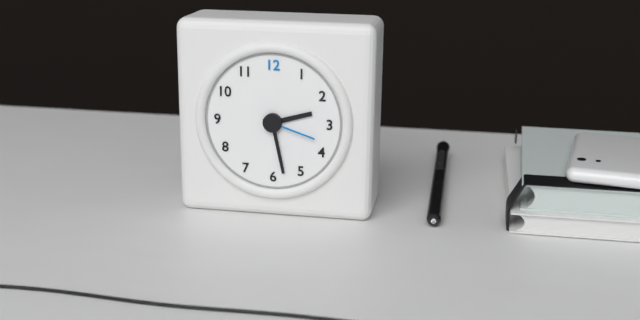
h=2 m=28 s=18
